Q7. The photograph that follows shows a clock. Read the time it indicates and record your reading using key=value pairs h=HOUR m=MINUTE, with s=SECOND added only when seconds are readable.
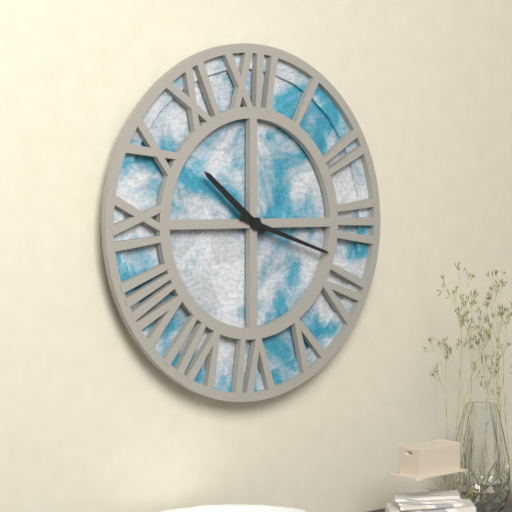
h=10 m=18
